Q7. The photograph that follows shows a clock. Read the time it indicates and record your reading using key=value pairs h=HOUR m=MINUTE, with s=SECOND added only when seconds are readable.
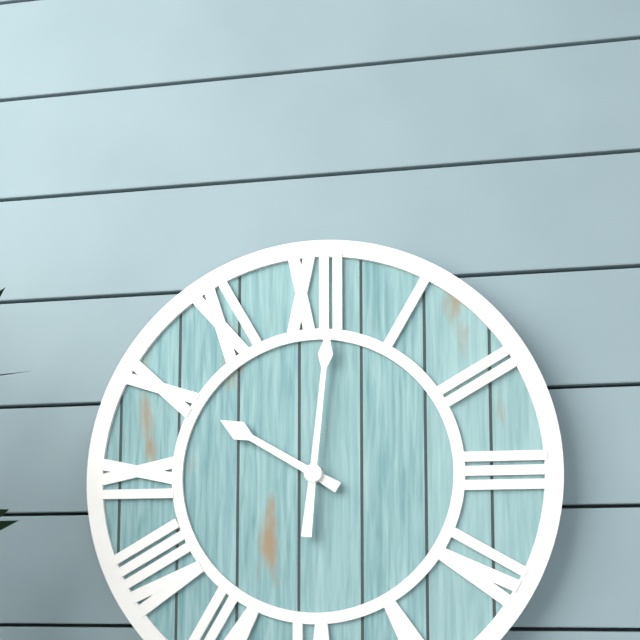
h=10 m=1
